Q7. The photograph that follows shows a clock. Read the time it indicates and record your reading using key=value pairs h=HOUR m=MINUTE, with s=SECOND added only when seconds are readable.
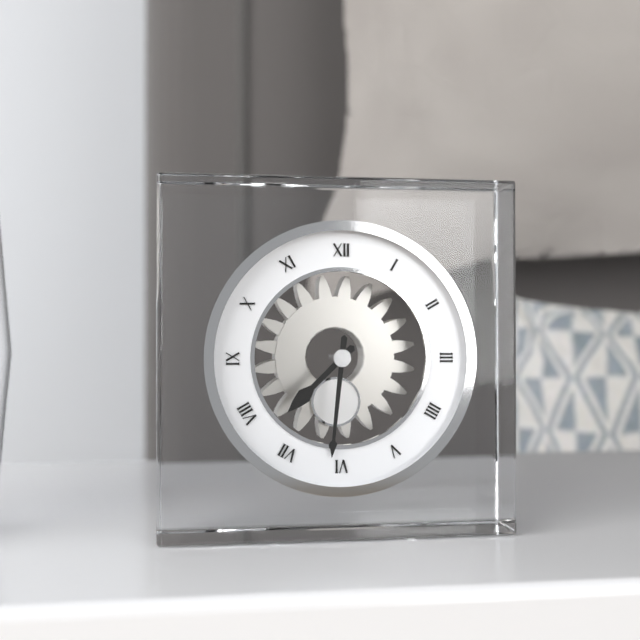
h=7 m=31
